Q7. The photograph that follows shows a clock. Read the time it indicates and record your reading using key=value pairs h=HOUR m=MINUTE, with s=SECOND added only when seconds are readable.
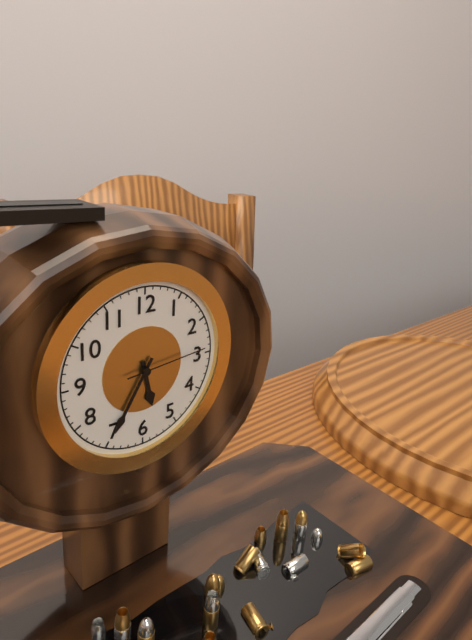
h=5 m=35 s=14
